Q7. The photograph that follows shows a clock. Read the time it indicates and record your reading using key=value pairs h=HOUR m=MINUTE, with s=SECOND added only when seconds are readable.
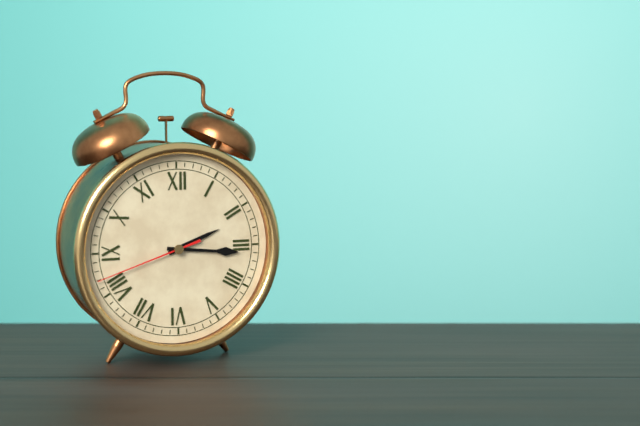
h=2 m=16 s=42
